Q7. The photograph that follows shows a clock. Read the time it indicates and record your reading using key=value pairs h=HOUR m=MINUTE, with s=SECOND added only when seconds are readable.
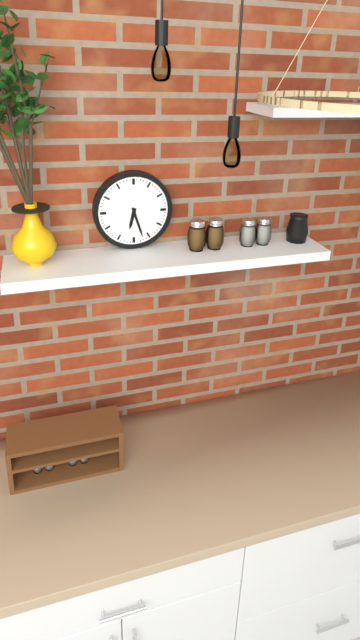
h=6 m=27
